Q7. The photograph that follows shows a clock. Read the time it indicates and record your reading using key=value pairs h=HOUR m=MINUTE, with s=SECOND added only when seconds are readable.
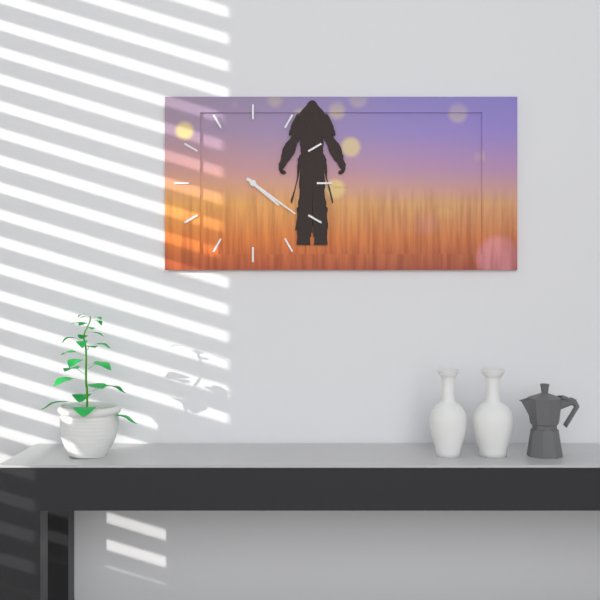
h=4 m=21
